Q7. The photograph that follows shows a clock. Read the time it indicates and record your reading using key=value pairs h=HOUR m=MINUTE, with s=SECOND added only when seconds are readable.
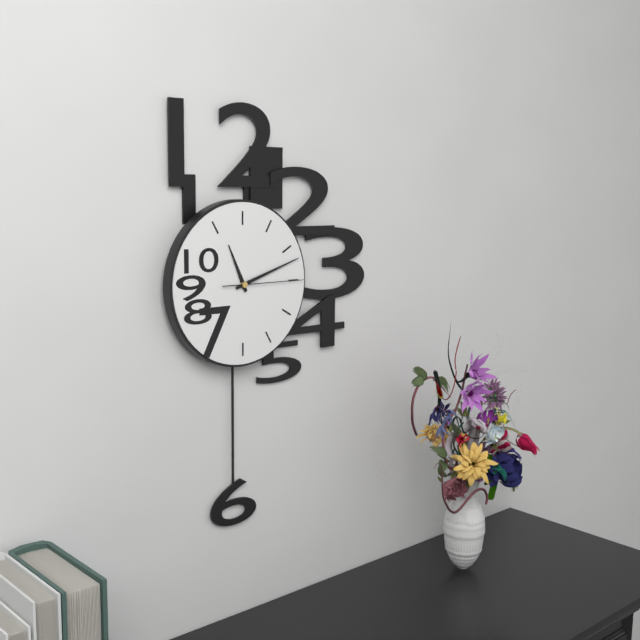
h=11 m=12 s=15
